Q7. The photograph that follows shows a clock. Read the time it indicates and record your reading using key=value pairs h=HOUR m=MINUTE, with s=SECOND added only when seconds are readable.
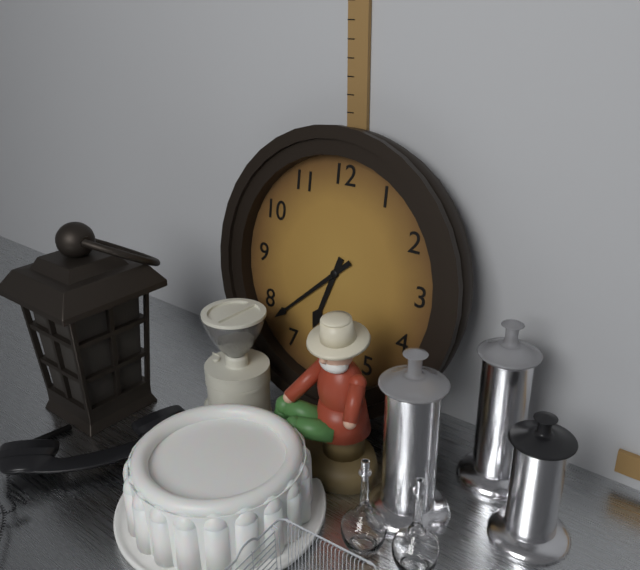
h=6 m=38
